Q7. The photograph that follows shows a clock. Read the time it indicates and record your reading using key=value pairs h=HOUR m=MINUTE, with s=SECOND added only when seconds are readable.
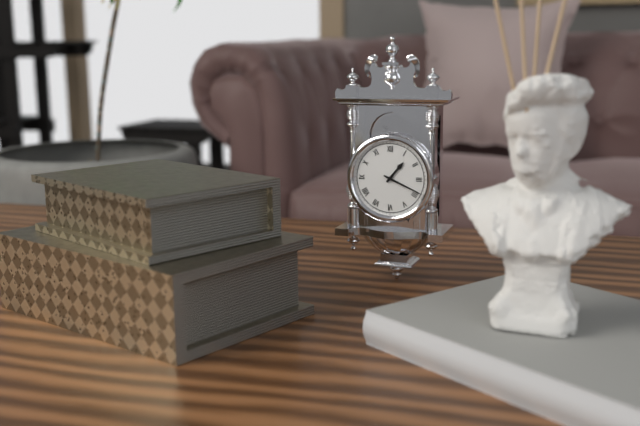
h=1 m=19
